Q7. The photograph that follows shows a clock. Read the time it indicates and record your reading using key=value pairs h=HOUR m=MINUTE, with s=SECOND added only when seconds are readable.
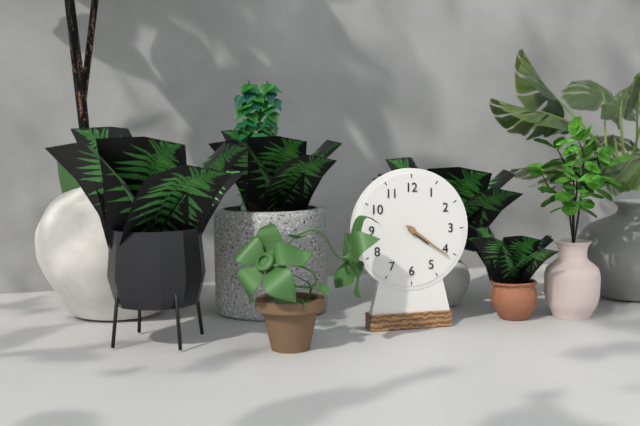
h=4 m=21
